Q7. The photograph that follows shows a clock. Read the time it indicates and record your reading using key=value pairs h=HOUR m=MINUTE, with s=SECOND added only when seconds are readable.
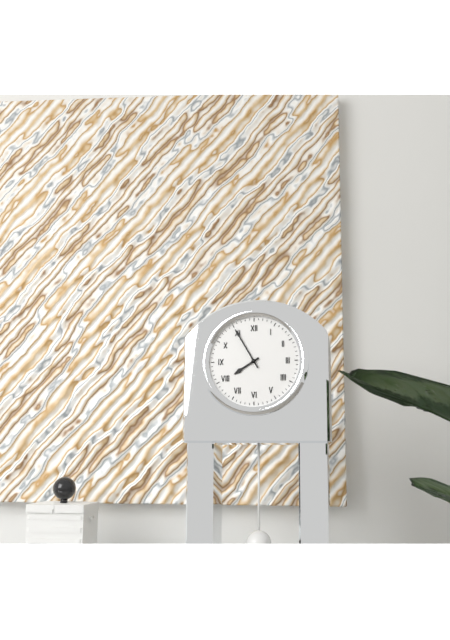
h=7 m=55
